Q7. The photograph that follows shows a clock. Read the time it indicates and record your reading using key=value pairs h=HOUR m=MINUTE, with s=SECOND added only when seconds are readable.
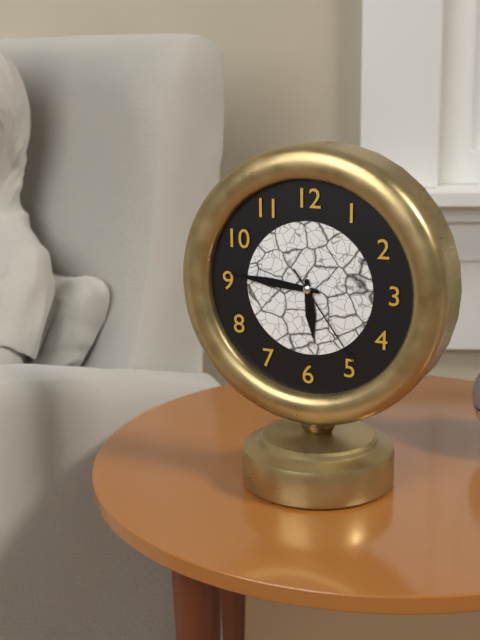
h=5 m=46 s=24
